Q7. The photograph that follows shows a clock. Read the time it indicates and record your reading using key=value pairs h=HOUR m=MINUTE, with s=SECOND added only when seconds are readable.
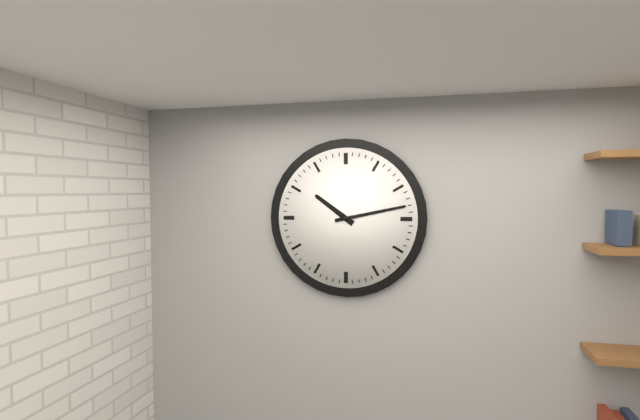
h=10 m=13
